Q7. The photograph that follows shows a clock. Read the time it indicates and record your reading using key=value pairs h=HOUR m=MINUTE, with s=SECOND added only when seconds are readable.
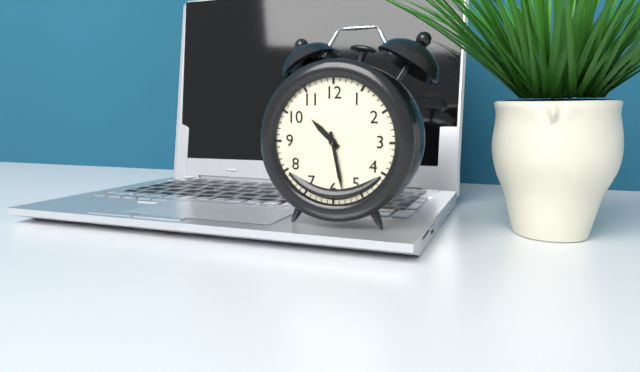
h=10 m=28
